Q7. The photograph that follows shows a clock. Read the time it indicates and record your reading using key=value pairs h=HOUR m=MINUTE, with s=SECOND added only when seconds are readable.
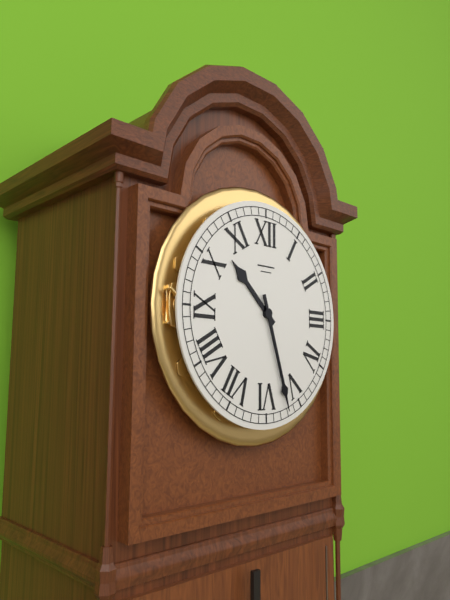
h=10 m=27
